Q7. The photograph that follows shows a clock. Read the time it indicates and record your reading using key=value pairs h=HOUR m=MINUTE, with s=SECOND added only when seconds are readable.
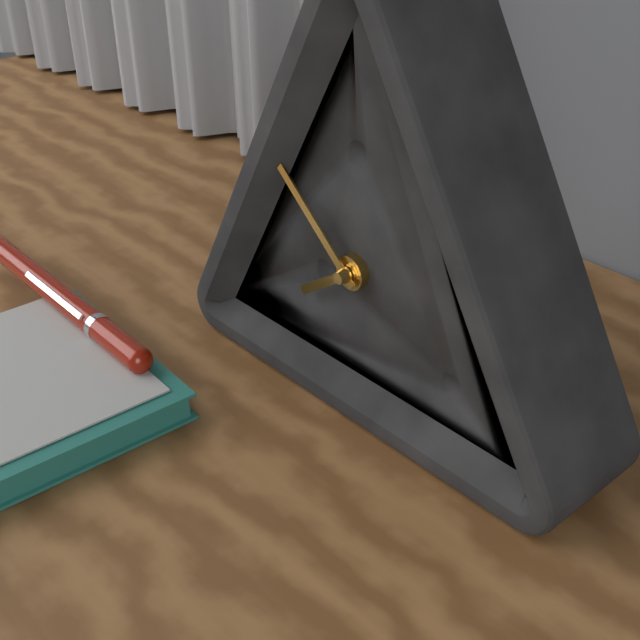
h=7 m=52
